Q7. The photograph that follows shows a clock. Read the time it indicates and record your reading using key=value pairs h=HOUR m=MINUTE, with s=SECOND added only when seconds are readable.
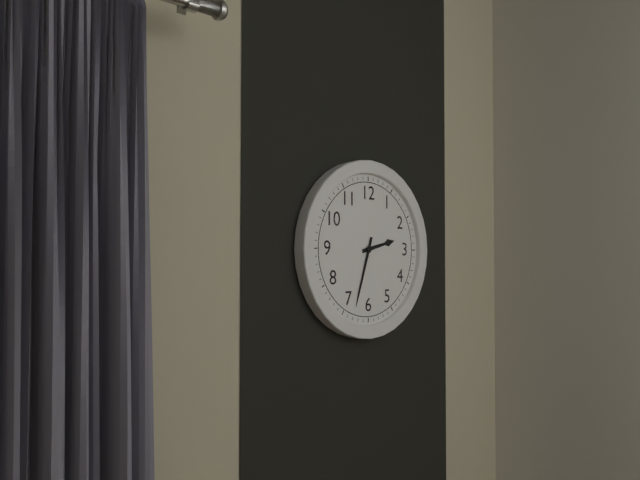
h=2 m=33
